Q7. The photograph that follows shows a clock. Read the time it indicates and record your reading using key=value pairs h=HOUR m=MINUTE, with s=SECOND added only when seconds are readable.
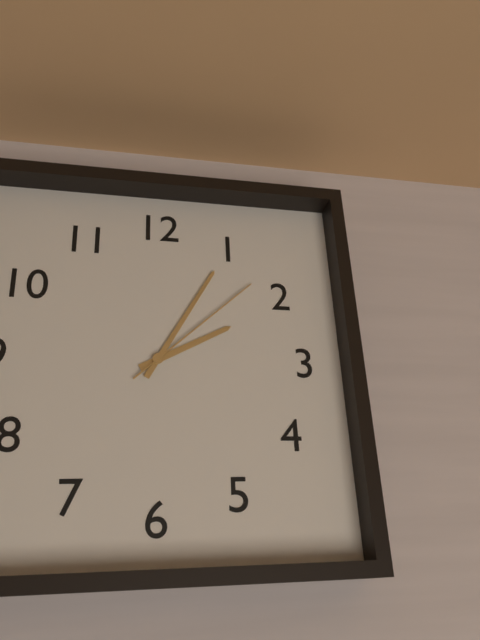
h=2 m=5 s=8
